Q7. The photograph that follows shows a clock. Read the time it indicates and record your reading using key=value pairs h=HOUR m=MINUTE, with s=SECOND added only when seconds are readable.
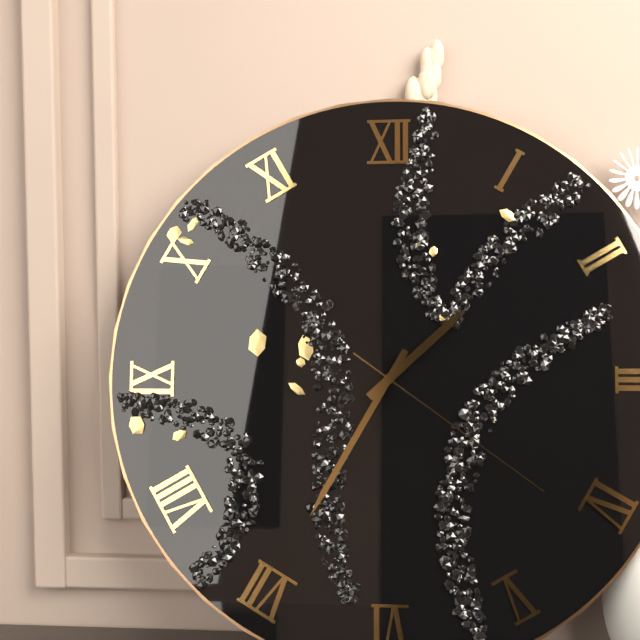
h=1 m=35 s=21
